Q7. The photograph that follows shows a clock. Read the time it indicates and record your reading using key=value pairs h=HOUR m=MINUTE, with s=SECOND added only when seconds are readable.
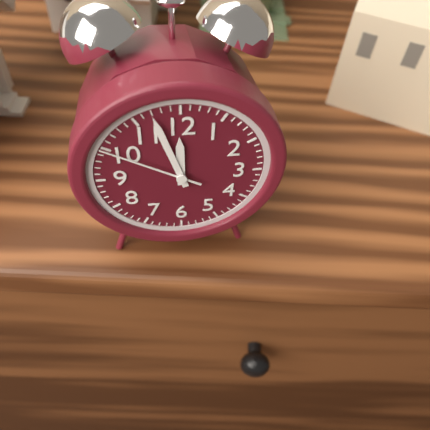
h=11 m=57 s=50
